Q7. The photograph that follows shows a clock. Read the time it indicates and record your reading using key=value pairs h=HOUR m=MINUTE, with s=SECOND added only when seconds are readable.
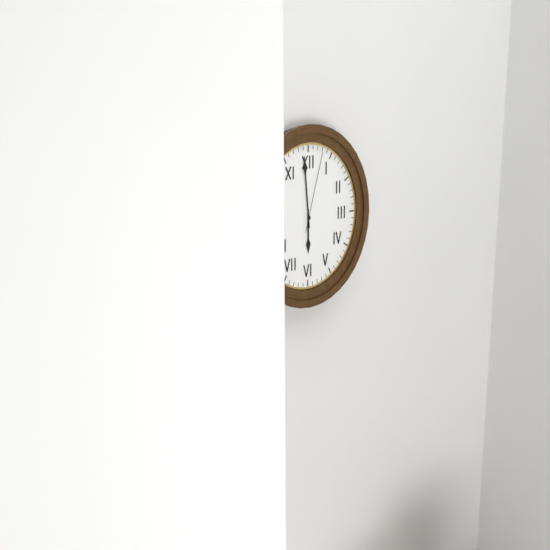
h=5 m=59 s=3
